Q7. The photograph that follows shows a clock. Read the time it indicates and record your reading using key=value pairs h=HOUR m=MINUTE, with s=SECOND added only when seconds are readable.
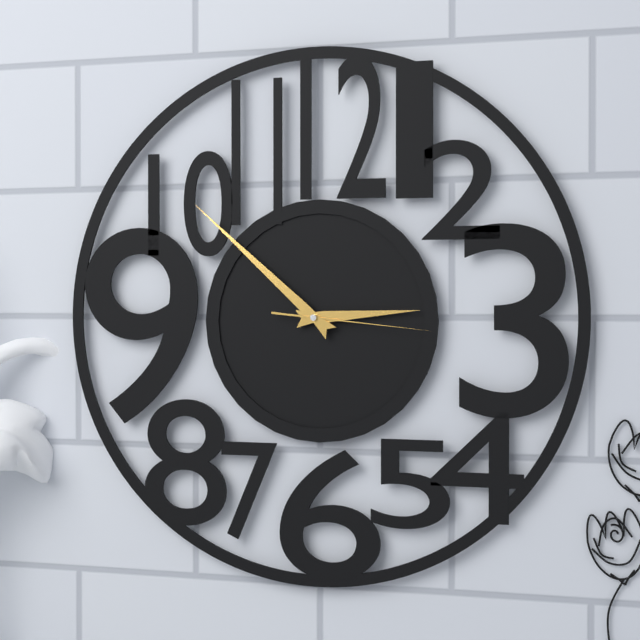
h=2 m=52 s=16
